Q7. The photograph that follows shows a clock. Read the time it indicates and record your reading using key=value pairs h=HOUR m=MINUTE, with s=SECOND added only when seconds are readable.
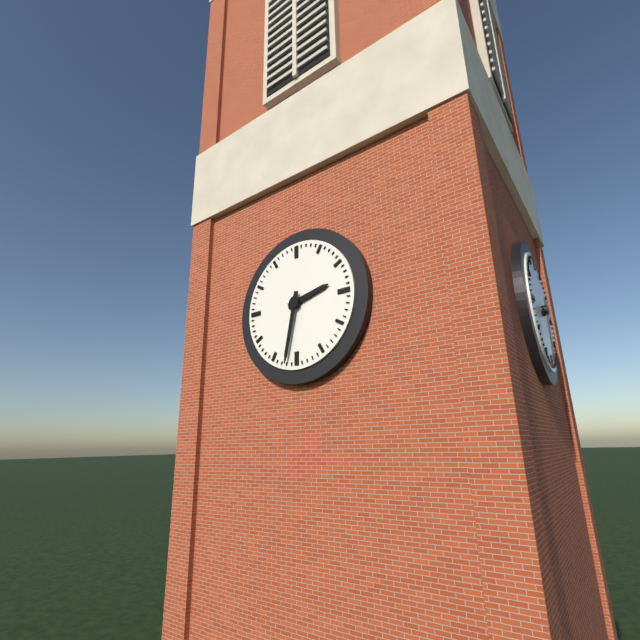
h=2 m=32
